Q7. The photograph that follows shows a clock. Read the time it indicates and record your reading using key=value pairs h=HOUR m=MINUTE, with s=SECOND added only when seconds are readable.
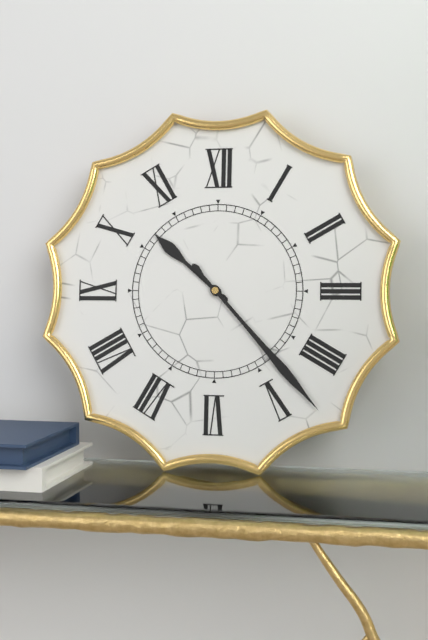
h=10 m=23
